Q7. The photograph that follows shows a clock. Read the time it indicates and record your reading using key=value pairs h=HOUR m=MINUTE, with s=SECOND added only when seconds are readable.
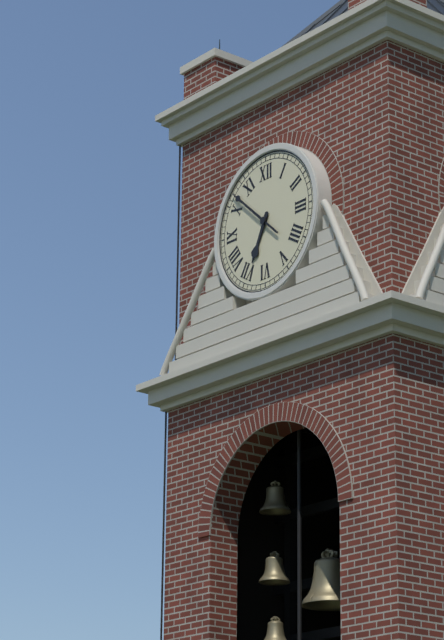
h=6 m=52
